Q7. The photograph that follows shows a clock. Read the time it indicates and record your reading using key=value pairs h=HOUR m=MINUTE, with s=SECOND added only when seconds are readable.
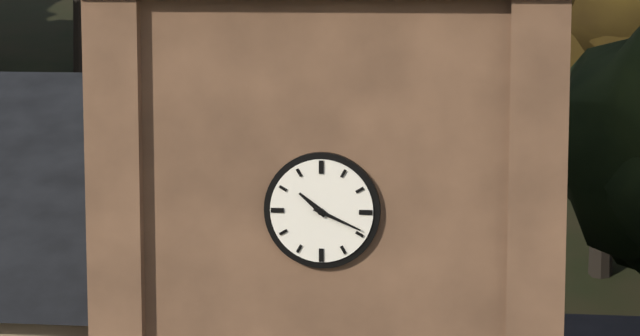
h=10 m=19
